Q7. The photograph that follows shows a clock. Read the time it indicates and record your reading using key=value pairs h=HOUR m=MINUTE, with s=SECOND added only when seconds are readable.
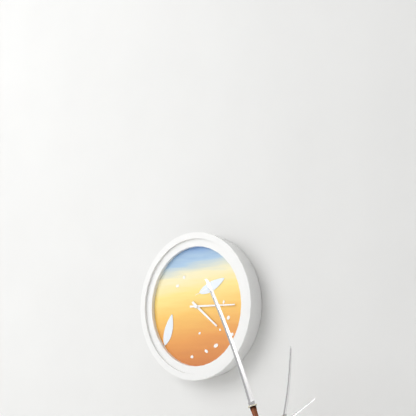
h=4 m=15
